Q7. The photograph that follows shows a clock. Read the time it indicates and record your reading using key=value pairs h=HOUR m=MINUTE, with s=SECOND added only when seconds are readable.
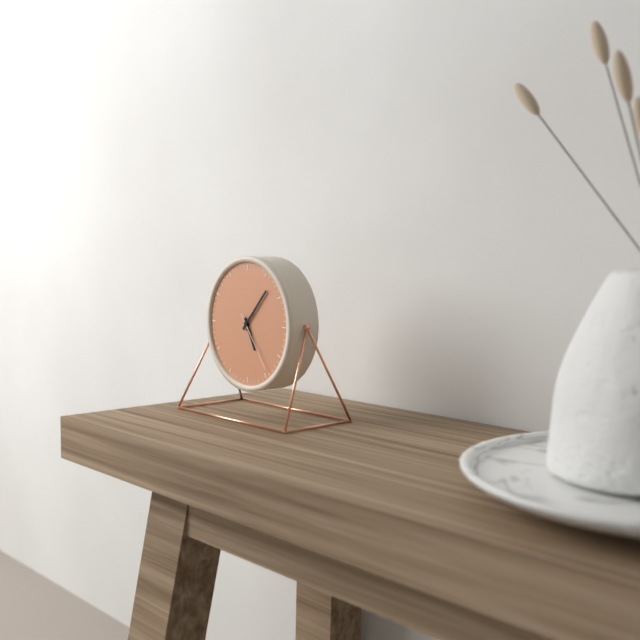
h=5 m=7 s=24
